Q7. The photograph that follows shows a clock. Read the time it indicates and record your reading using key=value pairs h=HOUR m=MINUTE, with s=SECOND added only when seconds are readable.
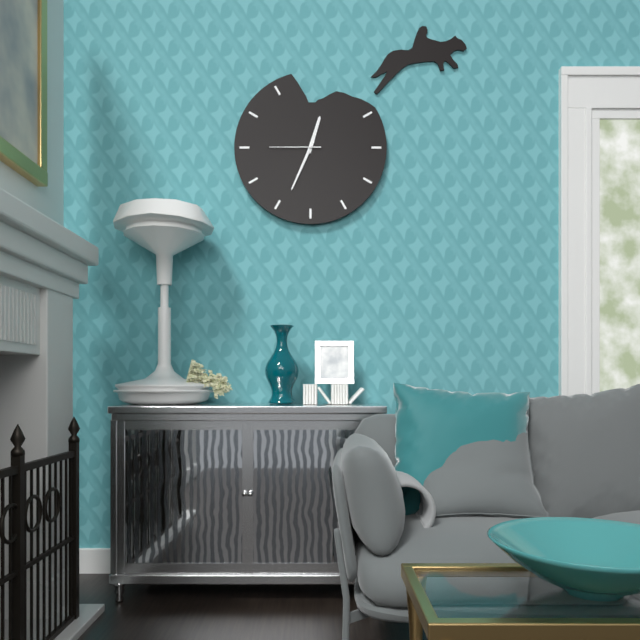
h=12 m=34 s=45
